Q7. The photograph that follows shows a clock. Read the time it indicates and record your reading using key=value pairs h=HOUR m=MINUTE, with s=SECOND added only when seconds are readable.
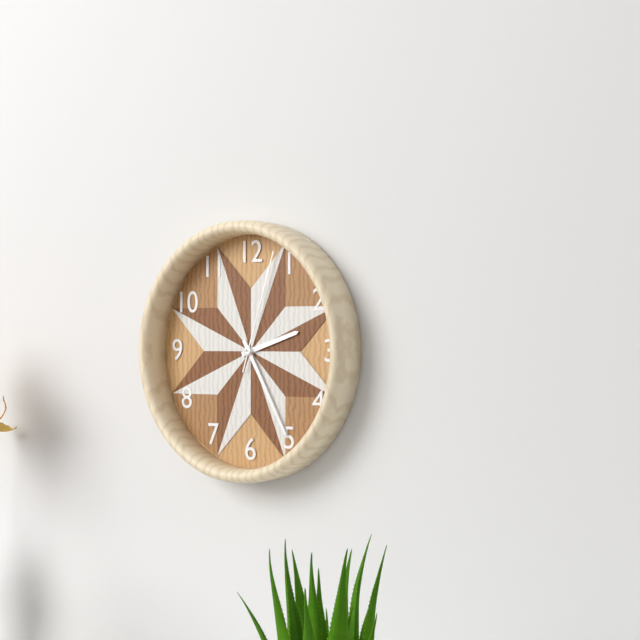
h=2 m=25 s=3
